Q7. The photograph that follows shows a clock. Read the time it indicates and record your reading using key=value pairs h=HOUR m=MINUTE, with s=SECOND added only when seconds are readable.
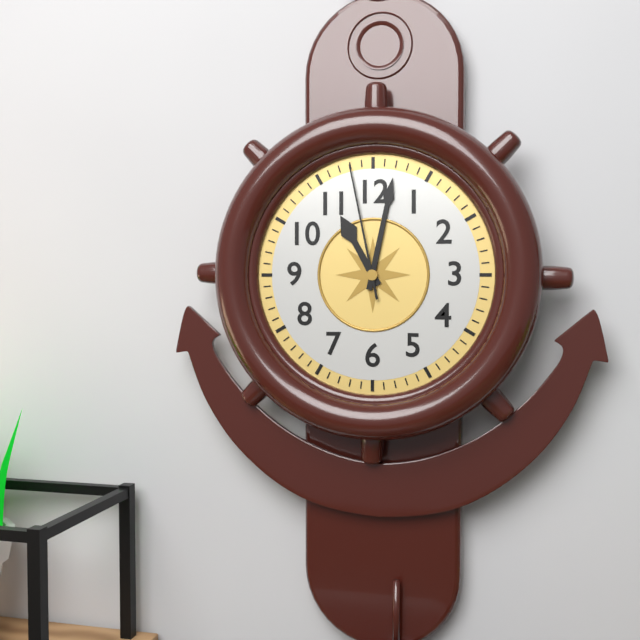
h=11 m=2 s=58
